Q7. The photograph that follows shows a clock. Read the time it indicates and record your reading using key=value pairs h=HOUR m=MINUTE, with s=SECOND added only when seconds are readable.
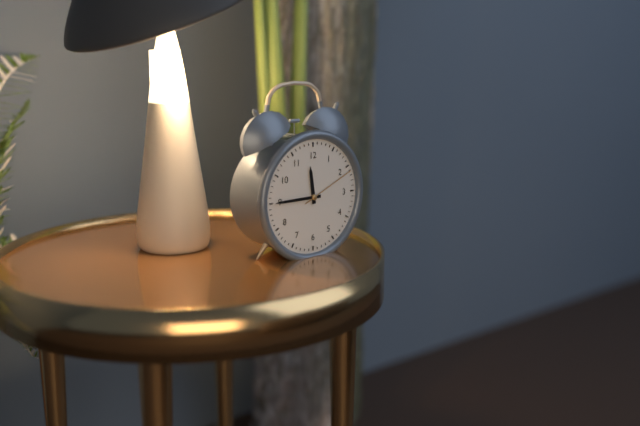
h=11 m=45 s=11
